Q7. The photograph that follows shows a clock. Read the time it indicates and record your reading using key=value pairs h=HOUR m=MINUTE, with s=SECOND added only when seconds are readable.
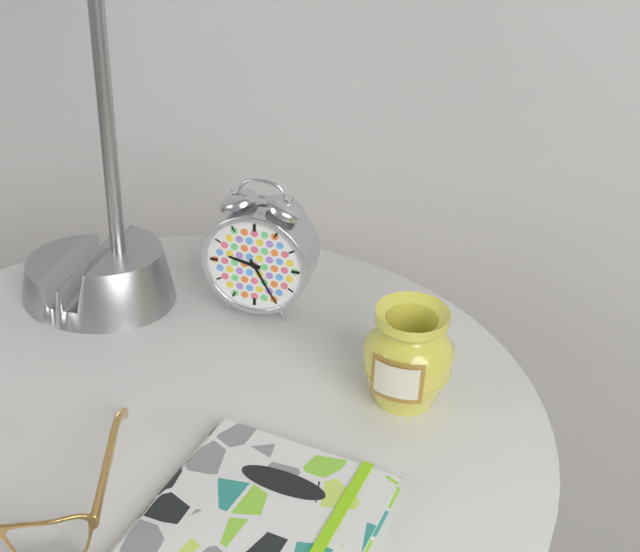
h=9 m=25
